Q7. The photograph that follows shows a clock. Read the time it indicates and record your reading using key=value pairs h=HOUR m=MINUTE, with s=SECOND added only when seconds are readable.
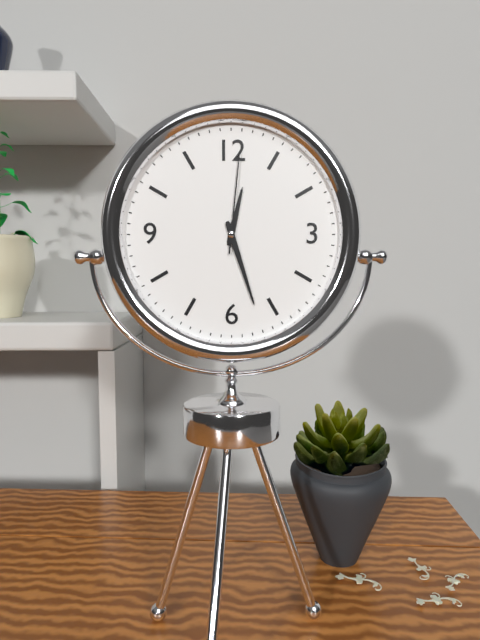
h=12 m=27 s=1
